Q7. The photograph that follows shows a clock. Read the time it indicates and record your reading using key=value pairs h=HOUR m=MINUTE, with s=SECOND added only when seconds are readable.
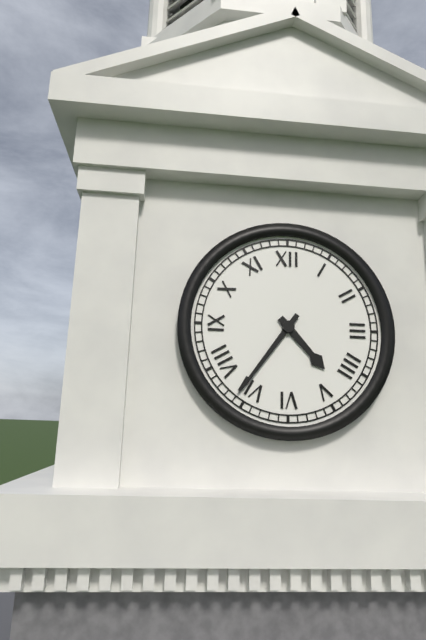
h=4 m=36
